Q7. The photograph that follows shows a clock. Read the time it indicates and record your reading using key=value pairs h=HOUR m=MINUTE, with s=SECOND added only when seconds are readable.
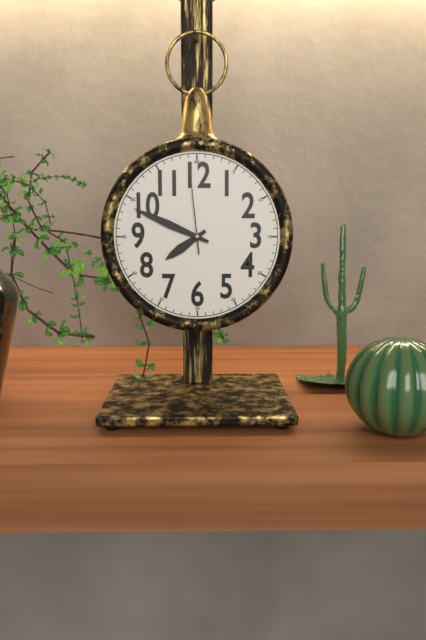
h=7 m=49 s=59
